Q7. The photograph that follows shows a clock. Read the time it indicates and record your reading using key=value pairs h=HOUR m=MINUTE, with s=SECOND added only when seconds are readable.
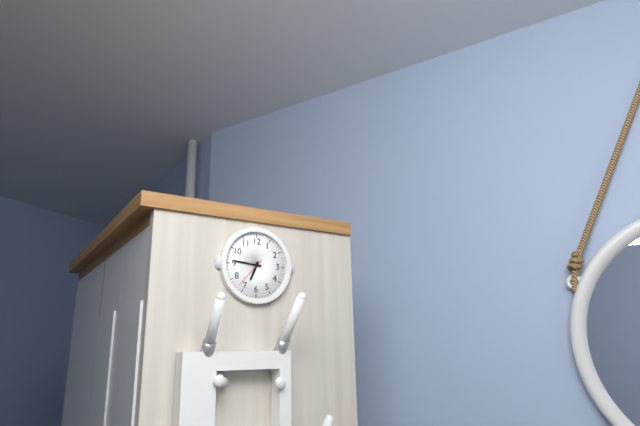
h=6 m=46
